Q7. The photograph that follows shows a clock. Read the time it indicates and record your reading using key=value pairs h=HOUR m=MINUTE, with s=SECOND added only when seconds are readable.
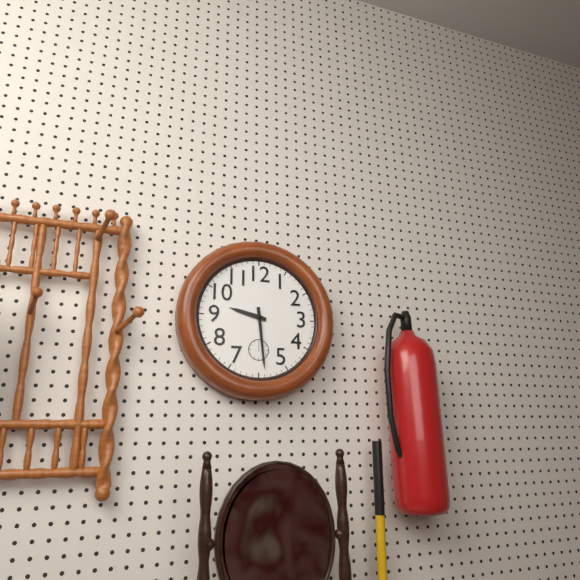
h=9 m=29
